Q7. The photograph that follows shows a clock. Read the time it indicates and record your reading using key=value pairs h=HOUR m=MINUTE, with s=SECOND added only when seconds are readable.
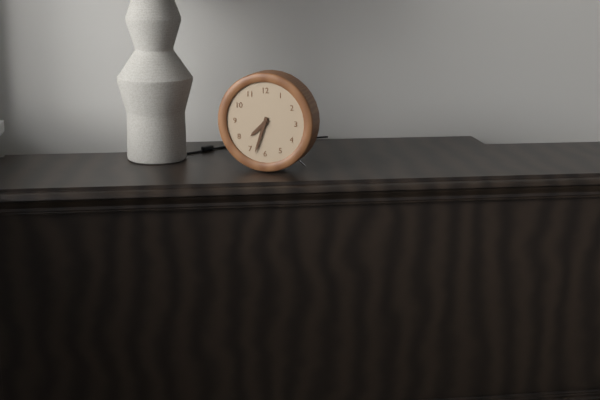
h=7 m=33
